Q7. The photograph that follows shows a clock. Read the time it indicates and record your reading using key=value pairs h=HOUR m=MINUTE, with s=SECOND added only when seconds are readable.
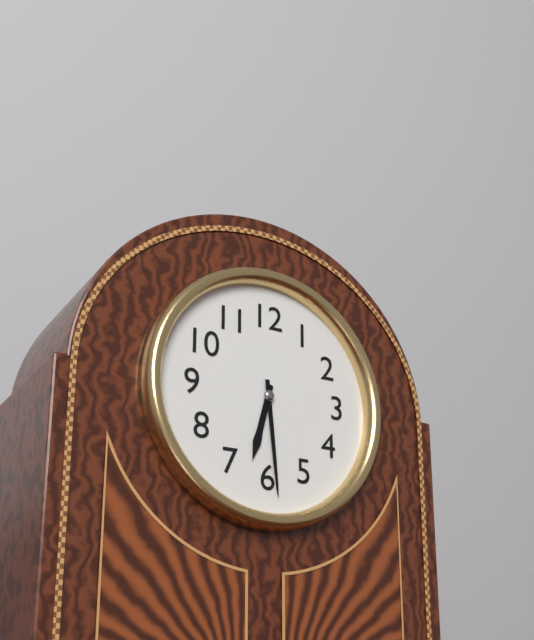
h=6 m=29
